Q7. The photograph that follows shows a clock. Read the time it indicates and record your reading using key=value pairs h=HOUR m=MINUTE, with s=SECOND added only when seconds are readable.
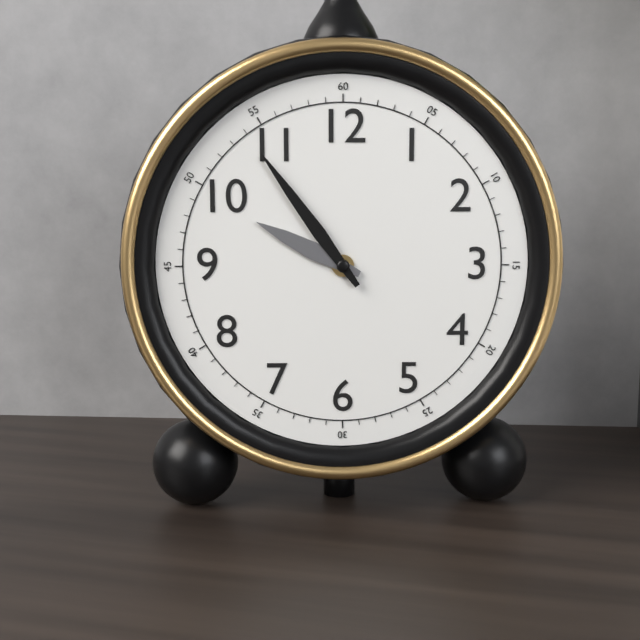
h=9 m=54
